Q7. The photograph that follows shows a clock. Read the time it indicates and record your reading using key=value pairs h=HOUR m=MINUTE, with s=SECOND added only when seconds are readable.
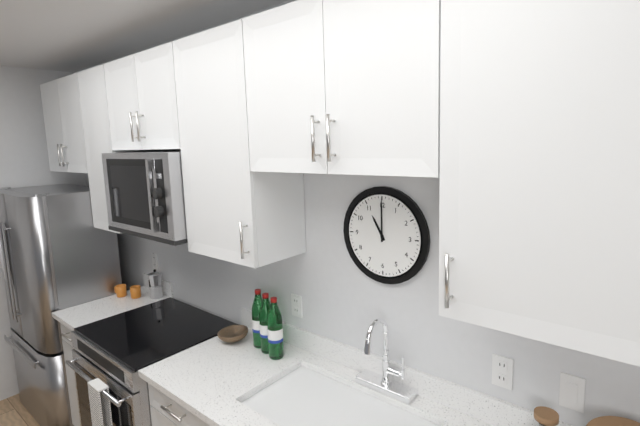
h=11 m=0
